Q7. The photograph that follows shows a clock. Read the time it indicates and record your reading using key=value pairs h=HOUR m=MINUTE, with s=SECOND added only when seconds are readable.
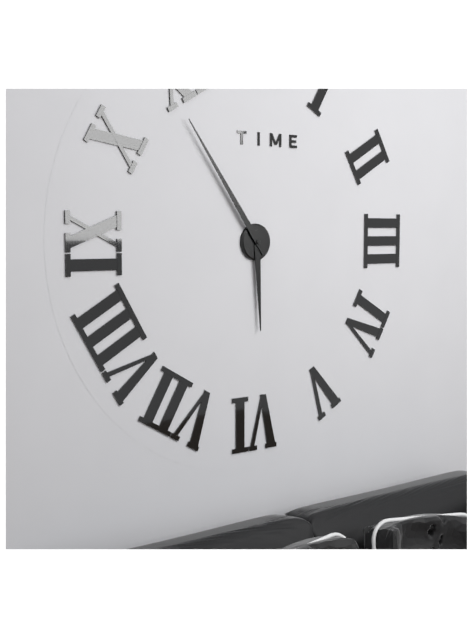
h=5 m=54
